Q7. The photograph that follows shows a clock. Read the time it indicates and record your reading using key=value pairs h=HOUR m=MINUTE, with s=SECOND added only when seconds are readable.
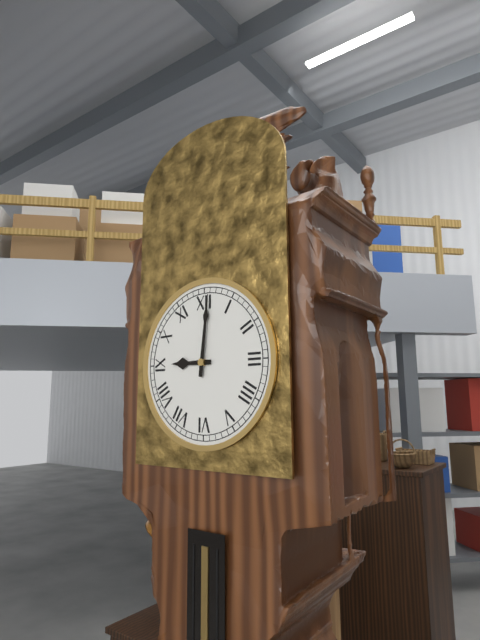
h=9 m=1
